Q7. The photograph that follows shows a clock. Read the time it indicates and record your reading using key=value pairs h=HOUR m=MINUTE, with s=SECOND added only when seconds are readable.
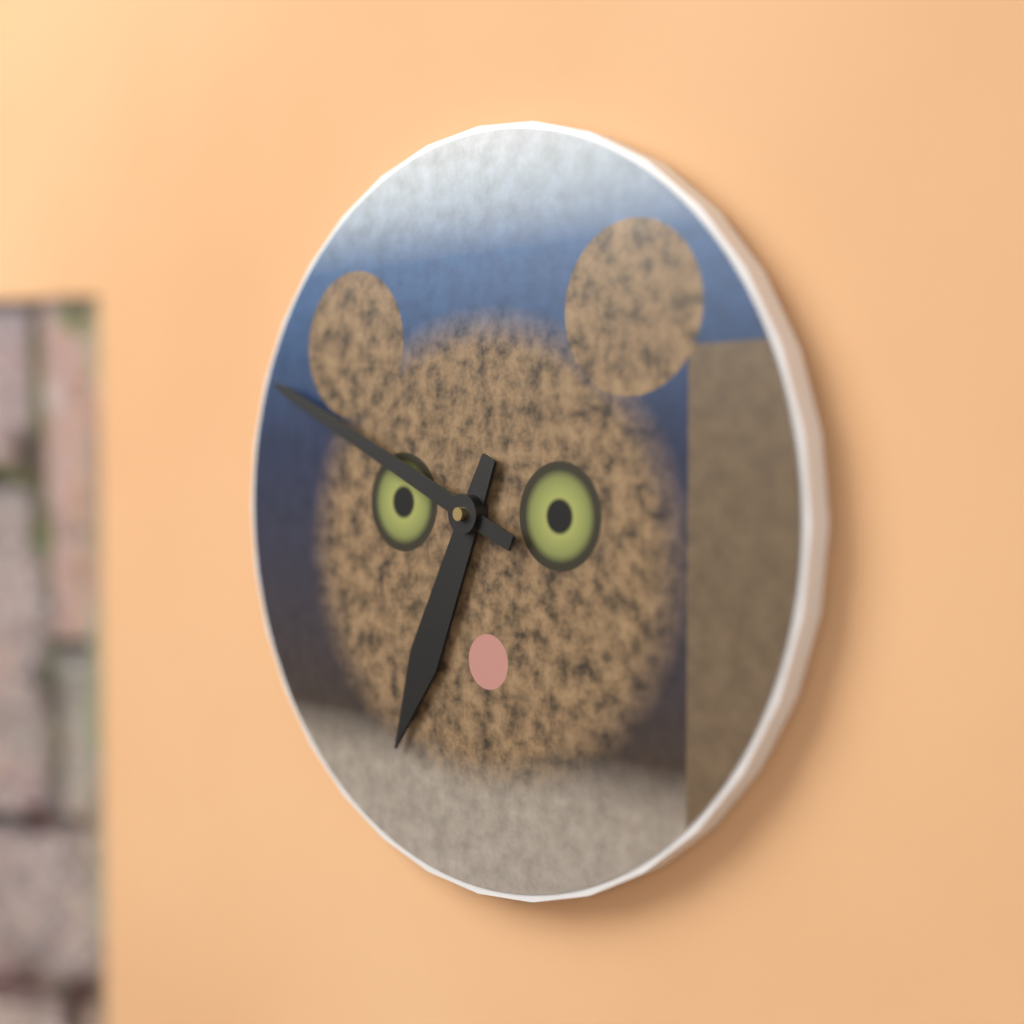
h=6 m=49
